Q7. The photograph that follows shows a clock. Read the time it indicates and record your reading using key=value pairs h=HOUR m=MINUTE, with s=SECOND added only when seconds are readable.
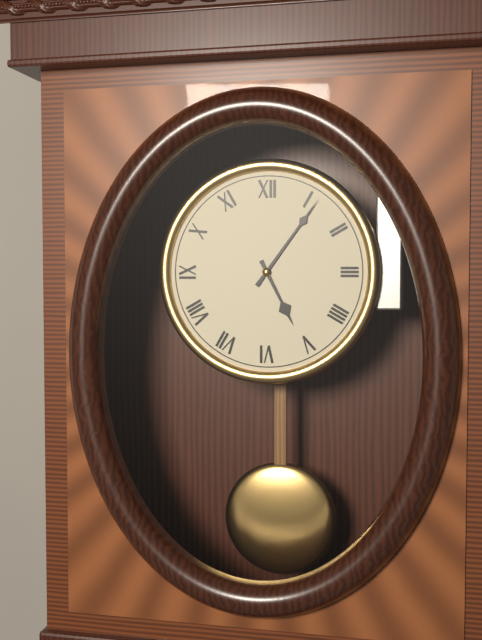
h=5 m=6
